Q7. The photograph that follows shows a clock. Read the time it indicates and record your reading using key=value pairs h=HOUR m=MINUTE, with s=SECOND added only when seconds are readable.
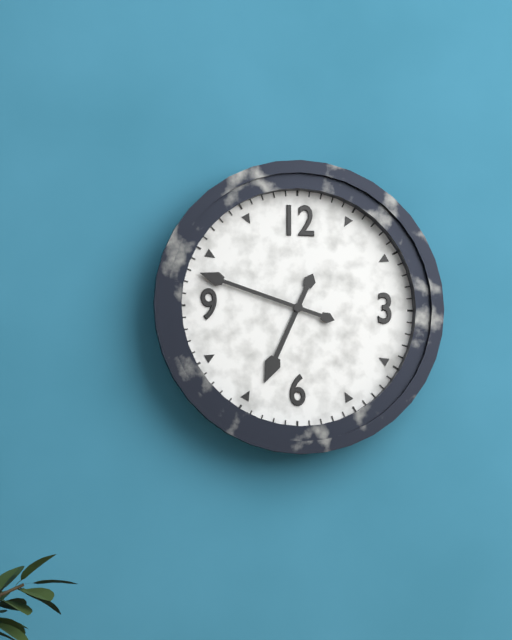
h=6 m=48
